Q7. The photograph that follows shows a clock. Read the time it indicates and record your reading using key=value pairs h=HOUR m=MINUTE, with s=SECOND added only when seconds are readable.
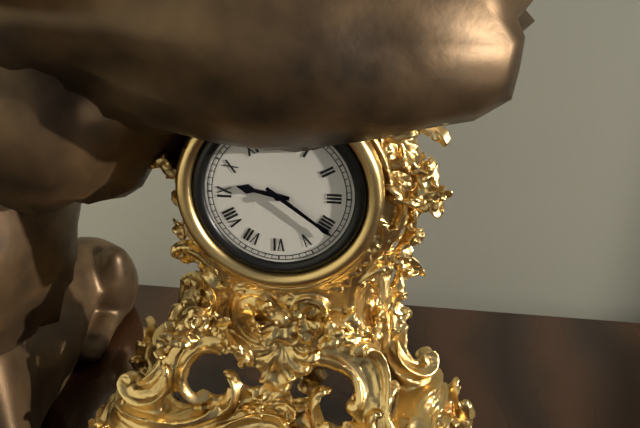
h=9 m=21
